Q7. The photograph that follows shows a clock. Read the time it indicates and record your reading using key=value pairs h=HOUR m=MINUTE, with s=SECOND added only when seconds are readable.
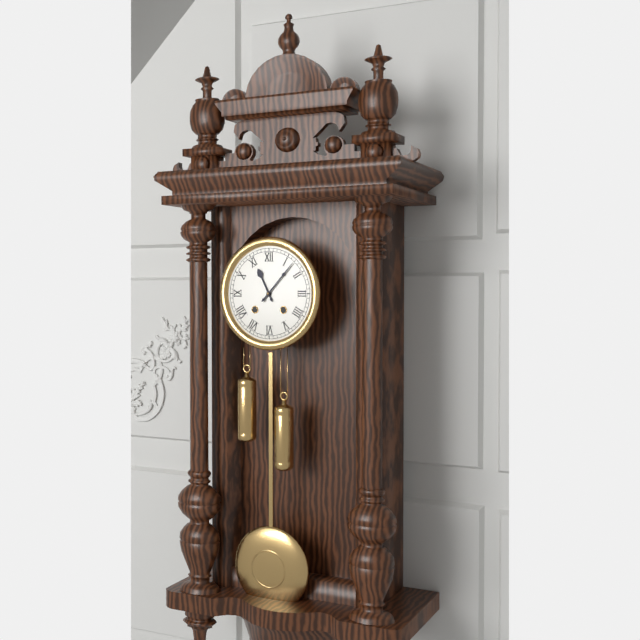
h=11 m=7
